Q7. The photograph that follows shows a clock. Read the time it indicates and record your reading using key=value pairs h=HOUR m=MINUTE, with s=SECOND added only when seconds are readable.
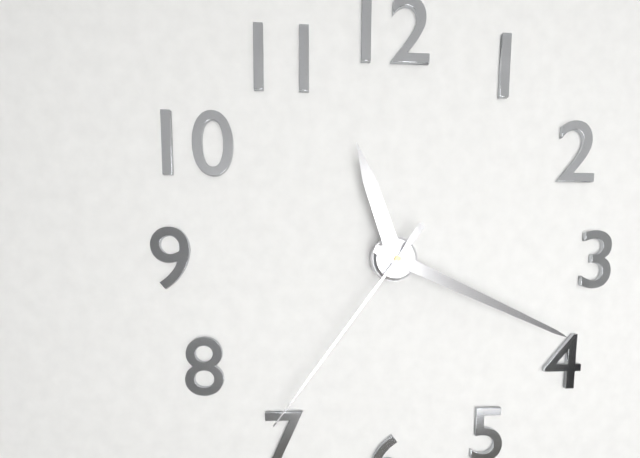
h=11 m=19 s=36
